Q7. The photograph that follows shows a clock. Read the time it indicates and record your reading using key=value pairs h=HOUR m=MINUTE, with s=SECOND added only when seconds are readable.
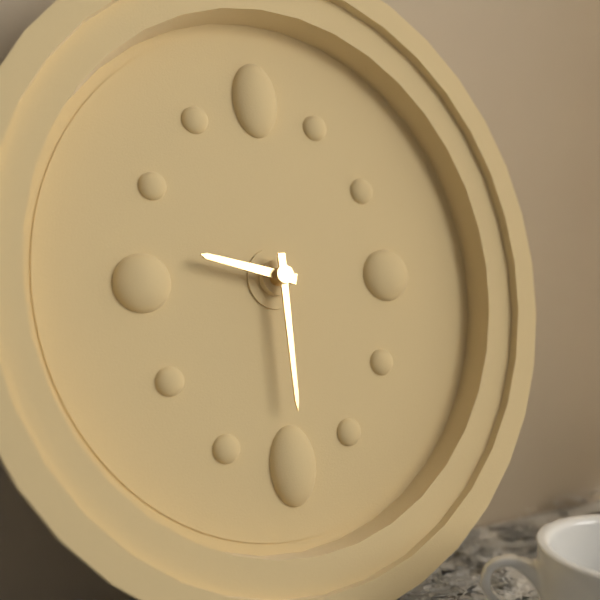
h=9 m=30
